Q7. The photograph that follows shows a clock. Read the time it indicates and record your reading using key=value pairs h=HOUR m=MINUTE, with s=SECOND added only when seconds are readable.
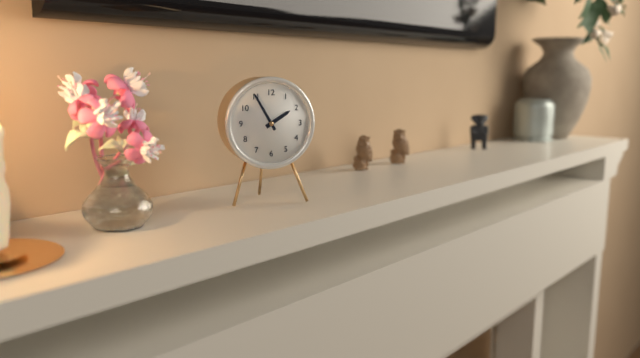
h=1 m=55
